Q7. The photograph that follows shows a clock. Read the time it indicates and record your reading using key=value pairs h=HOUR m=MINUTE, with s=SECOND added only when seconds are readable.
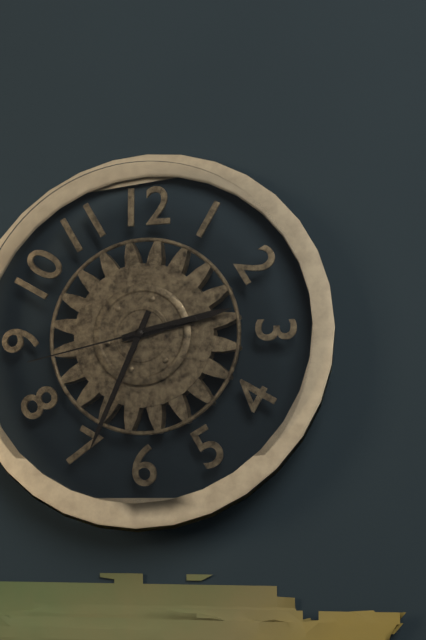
h=2 m=34 s=43
